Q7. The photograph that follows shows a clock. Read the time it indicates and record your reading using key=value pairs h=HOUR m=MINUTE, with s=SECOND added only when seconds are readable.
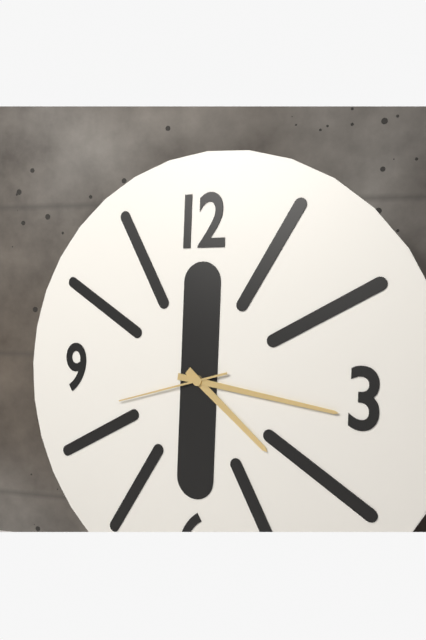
h=4 m=16 s=42
